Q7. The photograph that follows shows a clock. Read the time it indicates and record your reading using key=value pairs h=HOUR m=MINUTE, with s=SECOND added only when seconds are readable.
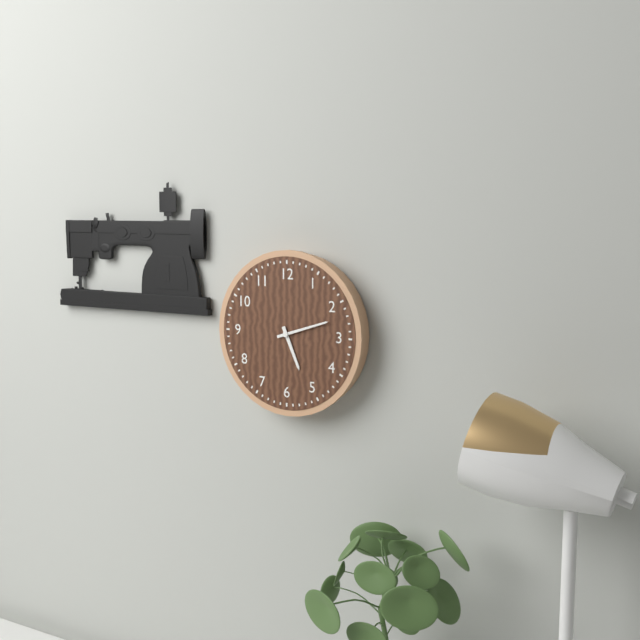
h=5 m=12
